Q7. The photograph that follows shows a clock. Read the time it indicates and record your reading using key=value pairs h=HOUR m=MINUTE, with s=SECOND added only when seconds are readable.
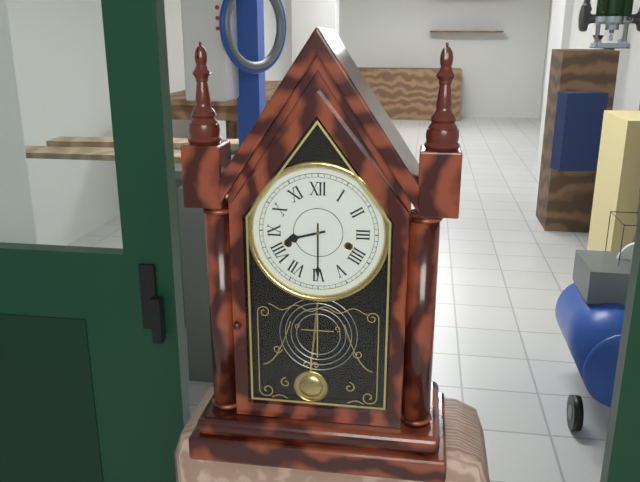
h=8 m=30
